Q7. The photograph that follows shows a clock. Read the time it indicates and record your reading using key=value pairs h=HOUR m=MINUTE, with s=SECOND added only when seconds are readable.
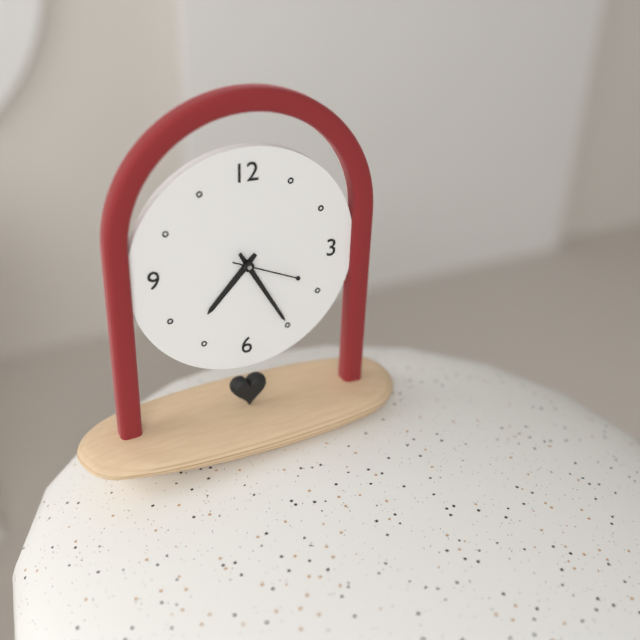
h=7 m=25 s=19
